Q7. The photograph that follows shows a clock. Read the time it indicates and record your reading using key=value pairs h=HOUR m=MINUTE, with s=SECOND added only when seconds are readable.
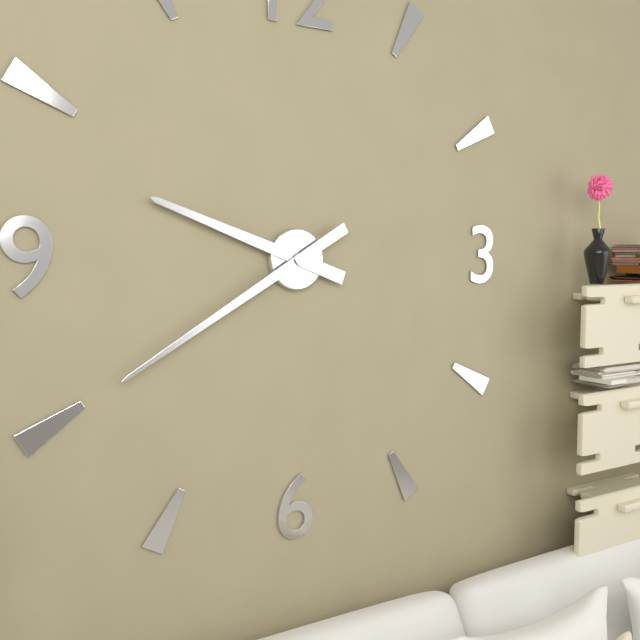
h=9 m=40
